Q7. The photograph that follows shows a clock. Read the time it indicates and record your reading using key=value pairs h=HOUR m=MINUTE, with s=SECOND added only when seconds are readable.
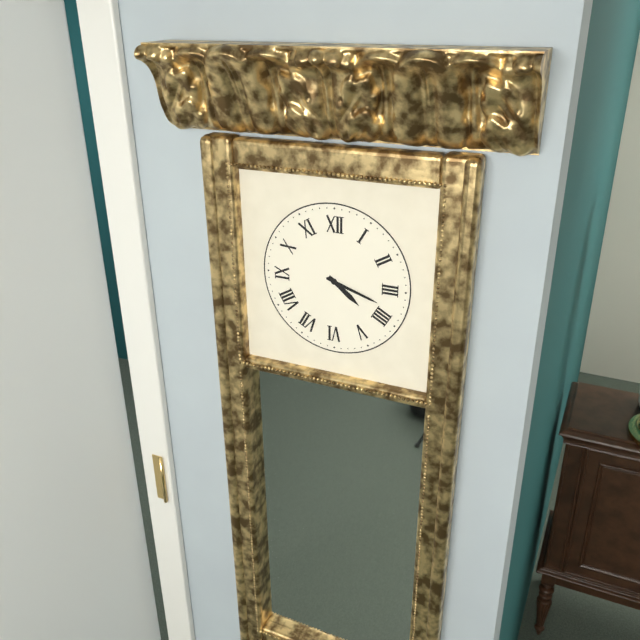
h=4 m=18
